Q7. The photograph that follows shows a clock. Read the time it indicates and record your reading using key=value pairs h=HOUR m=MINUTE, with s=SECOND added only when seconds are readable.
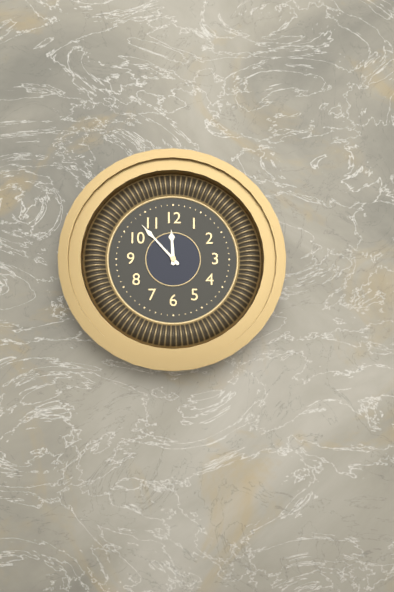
h=11 m=53
